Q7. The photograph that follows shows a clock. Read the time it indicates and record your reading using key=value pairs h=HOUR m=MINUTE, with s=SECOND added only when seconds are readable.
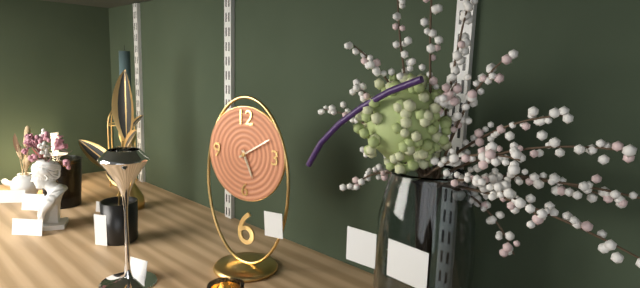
h=5 m=10
